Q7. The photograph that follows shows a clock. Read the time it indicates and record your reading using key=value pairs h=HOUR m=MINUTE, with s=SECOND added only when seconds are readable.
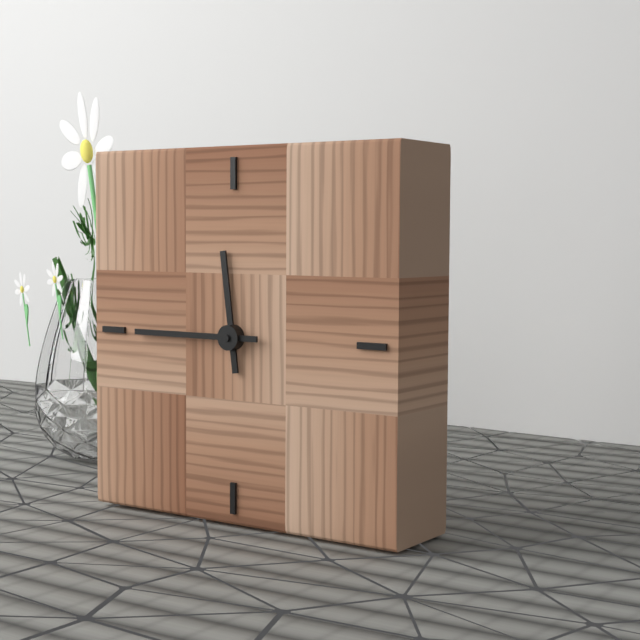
h=11 m=45
